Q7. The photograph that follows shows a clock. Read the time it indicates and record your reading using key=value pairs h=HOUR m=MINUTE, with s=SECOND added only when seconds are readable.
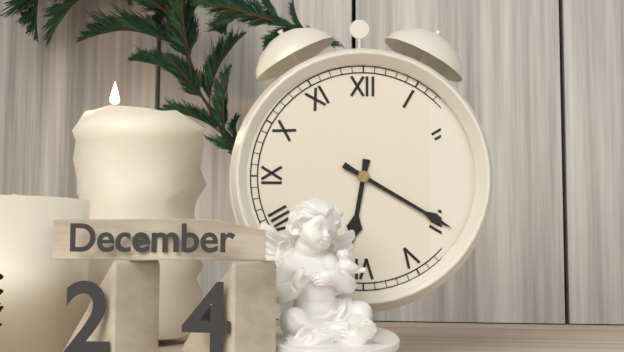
h=6 m=20
